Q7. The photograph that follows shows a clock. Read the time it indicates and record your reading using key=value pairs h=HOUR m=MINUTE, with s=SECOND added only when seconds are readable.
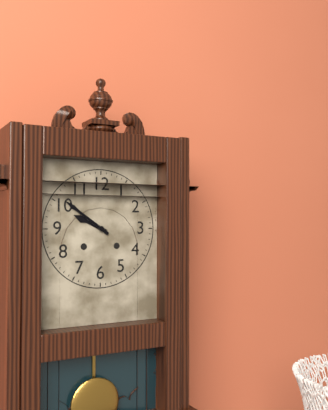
h=9 m=51
